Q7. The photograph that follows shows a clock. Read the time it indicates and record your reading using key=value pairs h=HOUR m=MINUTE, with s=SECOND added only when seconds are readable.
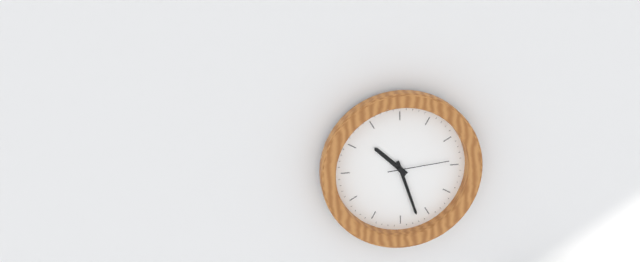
h=10 m=27 s=14
